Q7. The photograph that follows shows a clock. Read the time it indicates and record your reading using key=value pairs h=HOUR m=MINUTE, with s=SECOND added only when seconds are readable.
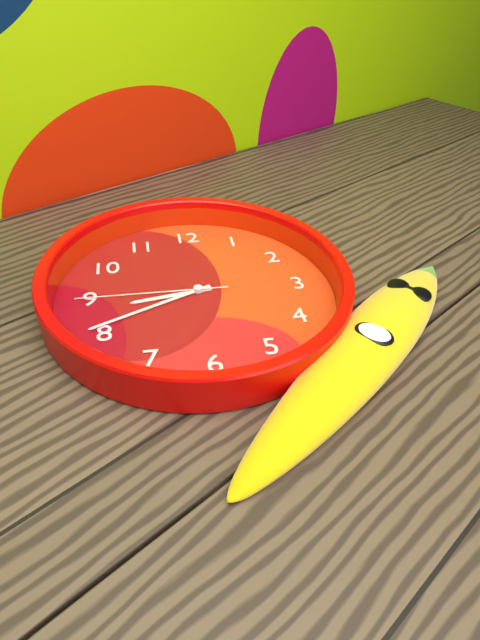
h=8 m=41 s=45
